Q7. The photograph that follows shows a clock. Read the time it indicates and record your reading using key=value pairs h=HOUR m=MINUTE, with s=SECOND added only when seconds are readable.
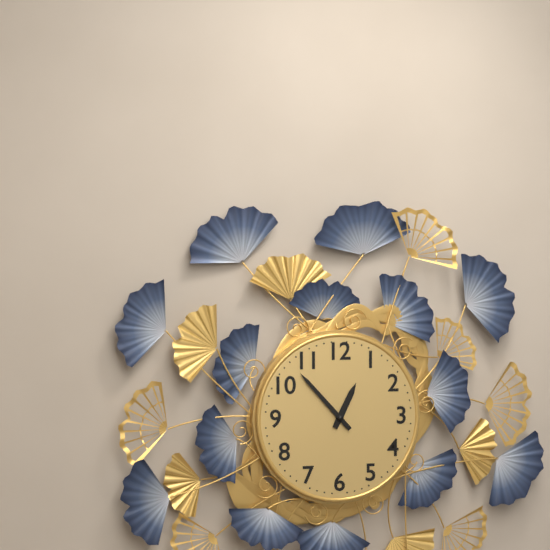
h=12 m=53
